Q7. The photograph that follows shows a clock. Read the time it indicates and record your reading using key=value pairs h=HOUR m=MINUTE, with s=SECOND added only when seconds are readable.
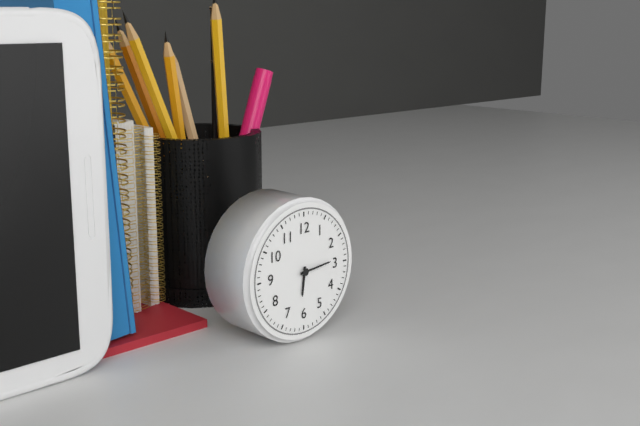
h=6 m=14
